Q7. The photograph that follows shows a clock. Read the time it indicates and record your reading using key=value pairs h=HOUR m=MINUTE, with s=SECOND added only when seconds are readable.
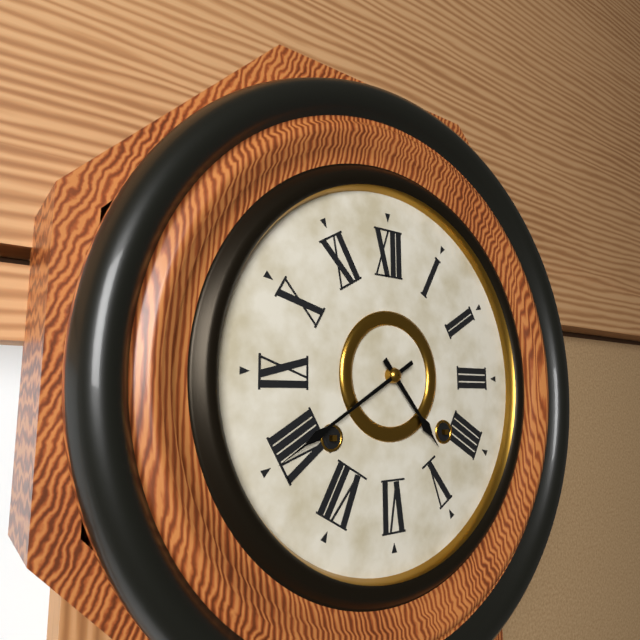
h=4 m=40
